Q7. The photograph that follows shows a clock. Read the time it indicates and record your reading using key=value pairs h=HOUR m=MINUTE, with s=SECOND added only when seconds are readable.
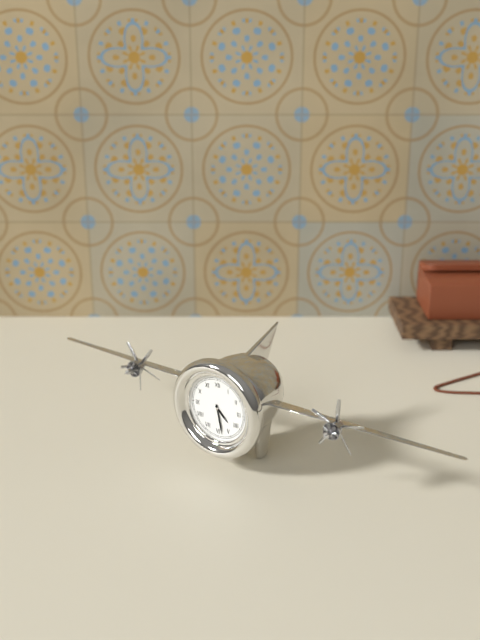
h=4 m=28
